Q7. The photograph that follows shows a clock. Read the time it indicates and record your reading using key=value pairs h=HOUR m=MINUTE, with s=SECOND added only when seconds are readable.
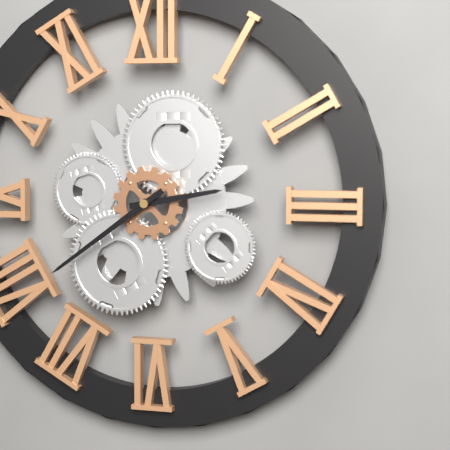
h=2 m=39
